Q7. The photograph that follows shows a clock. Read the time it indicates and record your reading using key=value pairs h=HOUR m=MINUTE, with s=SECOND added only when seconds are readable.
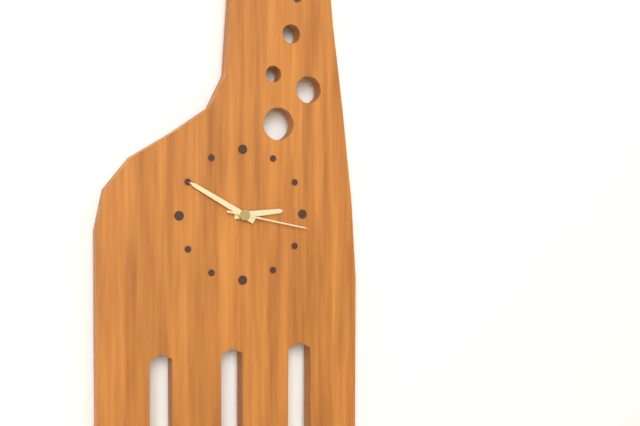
h=2 m=50 s=17
